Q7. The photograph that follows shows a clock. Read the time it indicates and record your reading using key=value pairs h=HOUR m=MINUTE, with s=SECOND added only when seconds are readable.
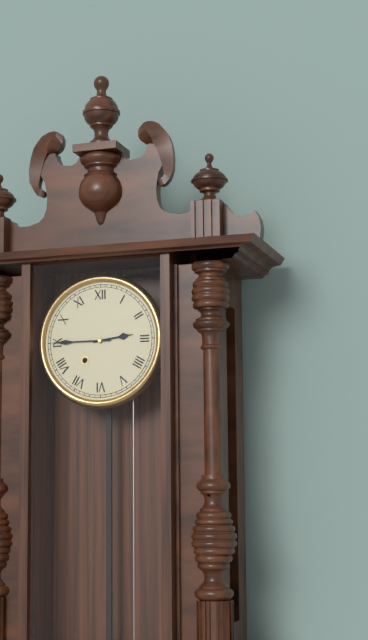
h=2 m=45
